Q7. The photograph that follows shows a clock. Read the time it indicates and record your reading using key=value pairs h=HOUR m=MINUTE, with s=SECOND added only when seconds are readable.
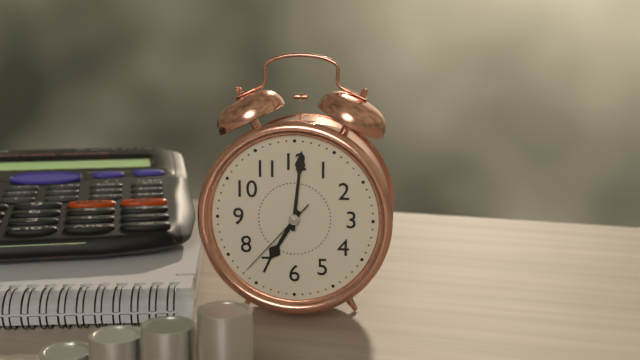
h=7 m=1 s=37
